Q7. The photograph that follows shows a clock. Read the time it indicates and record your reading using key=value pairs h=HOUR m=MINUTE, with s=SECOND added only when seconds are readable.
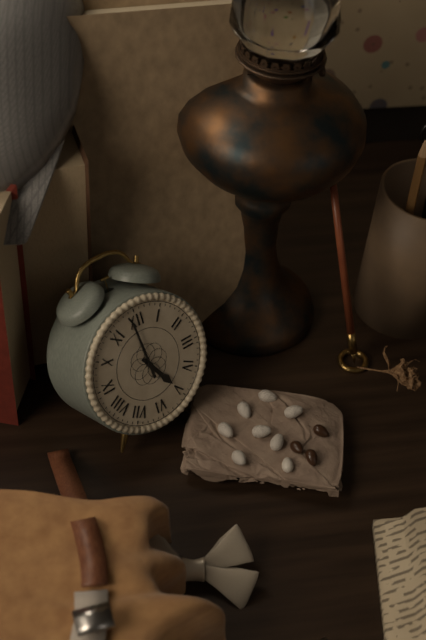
h=4 m=59
